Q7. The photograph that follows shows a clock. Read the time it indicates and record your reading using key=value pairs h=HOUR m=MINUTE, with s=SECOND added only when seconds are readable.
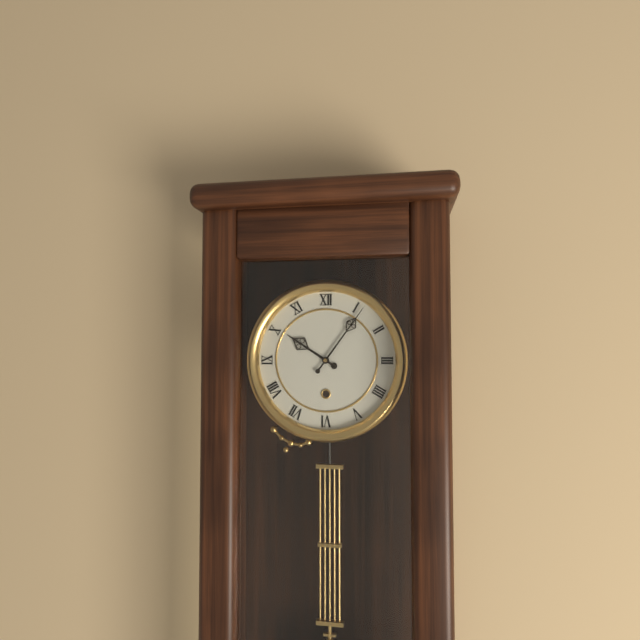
h=10 m=6
